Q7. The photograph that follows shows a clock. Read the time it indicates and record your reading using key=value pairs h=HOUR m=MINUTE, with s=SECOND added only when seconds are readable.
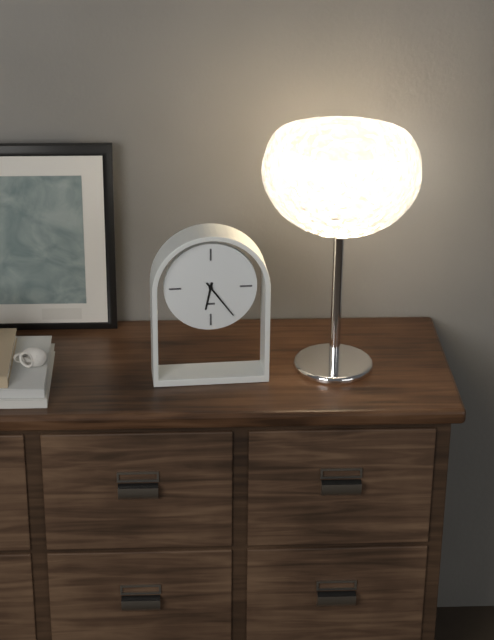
h=6 m=24
